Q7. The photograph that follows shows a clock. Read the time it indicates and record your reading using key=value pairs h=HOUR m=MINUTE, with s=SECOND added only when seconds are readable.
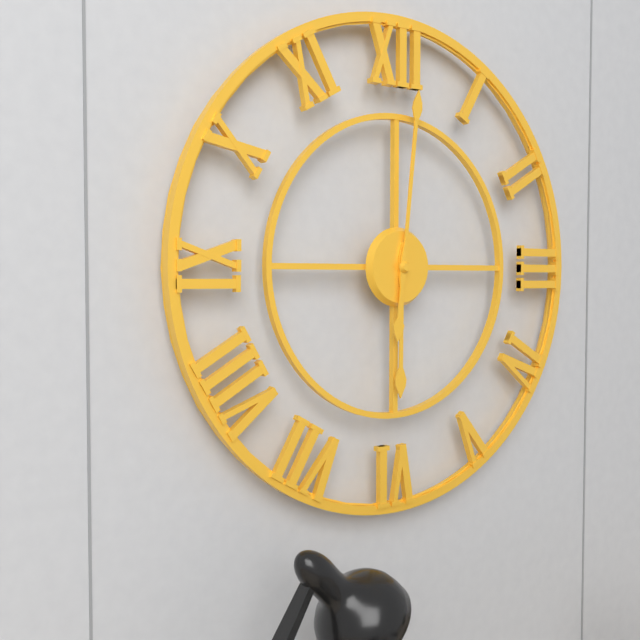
h=6 m=1
